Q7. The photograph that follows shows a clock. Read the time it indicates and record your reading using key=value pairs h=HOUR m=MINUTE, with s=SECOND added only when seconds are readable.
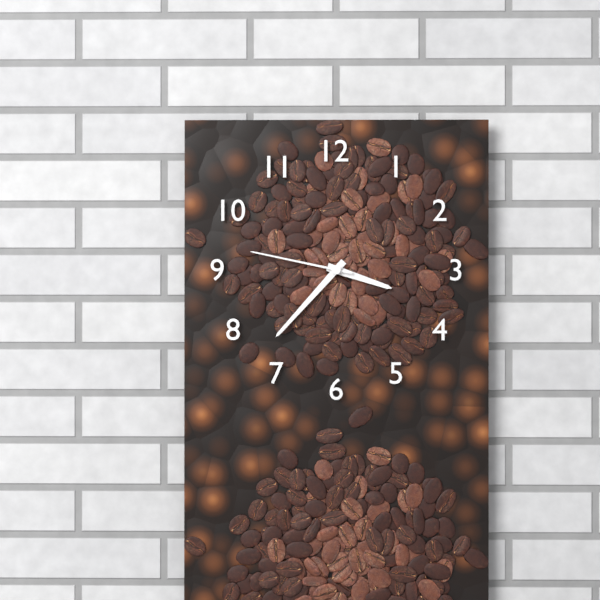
h=3 m=37 s=47
